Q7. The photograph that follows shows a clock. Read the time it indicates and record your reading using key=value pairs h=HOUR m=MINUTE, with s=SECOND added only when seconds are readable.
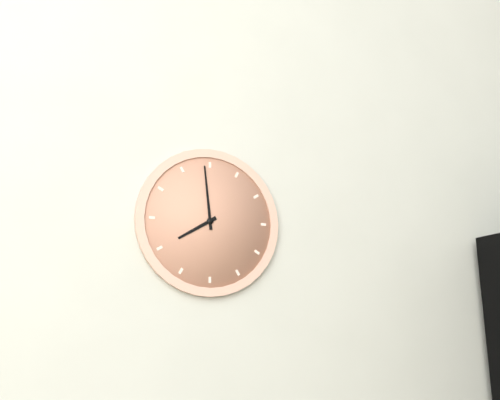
h=7 m=59
